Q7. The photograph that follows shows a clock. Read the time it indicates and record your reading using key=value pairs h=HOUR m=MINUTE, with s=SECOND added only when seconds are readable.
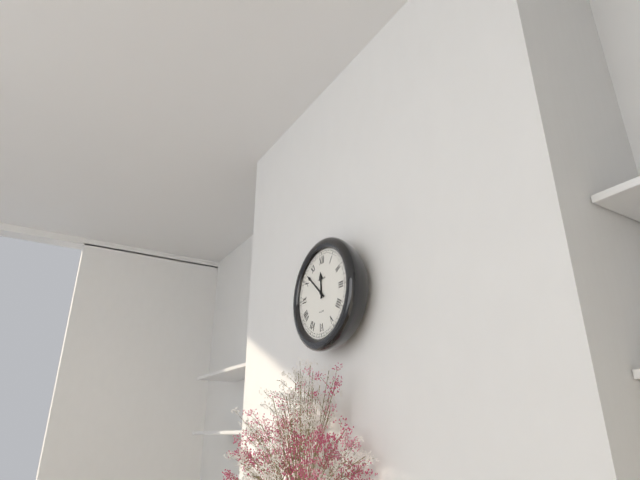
h=11 m=52
